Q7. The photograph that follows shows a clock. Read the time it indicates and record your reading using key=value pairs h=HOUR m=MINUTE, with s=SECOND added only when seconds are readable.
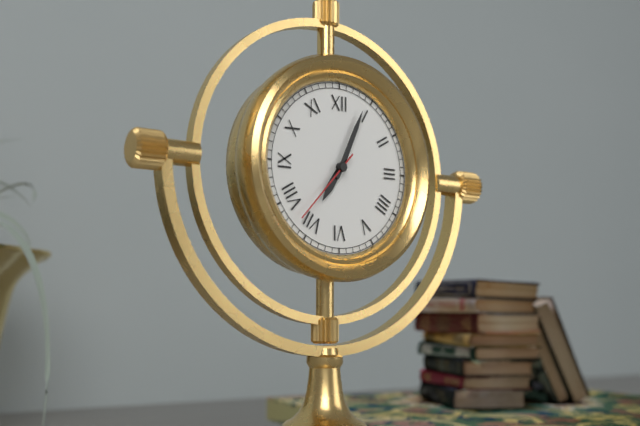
h=7 m=4 s=37
